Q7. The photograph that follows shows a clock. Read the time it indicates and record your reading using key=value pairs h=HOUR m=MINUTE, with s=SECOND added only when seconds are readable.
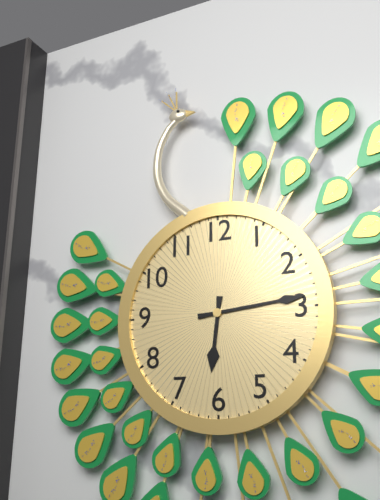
h=6 m=14
